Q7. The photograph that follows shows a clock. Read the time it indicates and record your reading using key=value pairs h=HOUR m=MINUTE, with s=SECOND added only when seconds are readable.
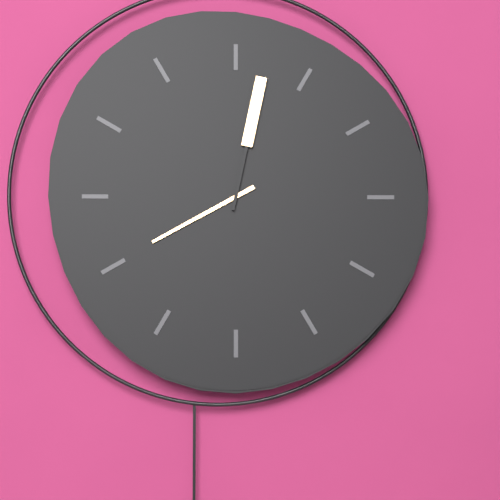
h=8 m=2
